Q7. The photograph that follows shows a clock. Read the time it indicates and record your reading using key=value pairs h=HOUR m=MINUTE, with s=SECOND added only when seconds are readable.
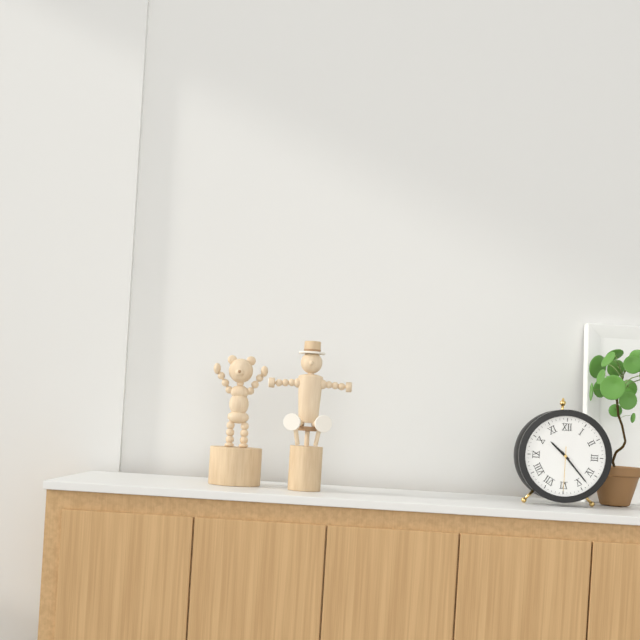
h=10 m=23
